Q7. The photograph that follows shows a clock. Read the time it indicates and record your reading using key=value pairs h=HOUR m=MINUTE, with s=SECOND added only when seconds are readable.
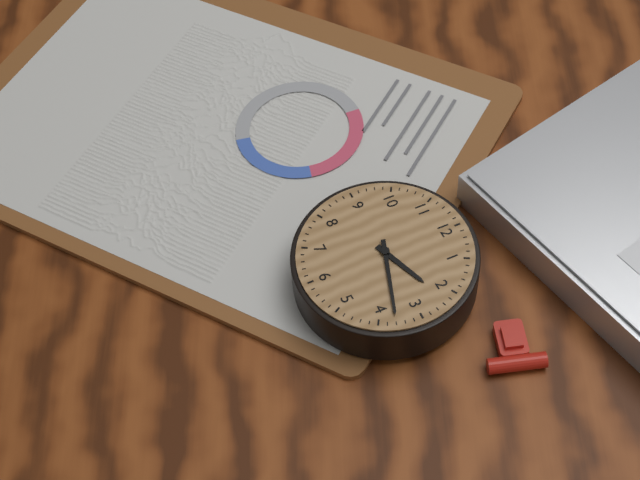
h=2 m=18
